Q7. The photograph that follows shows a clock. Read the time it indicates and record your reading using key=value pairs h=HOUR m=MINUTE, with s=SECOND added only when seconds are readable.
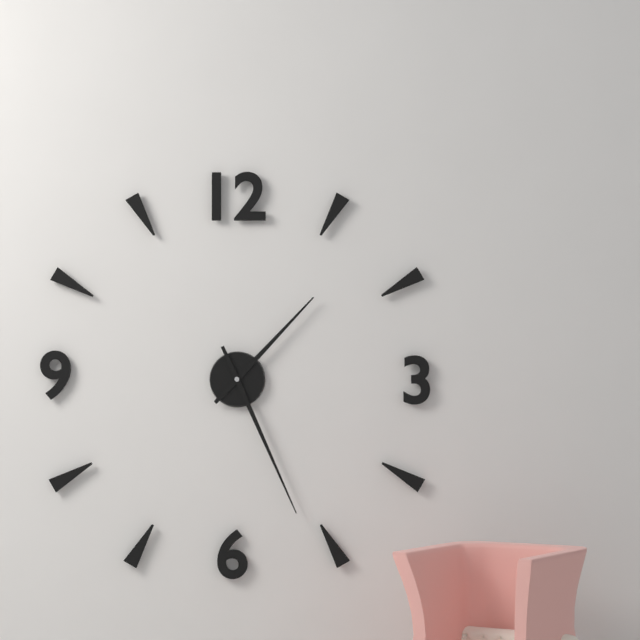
h=1 m=26
